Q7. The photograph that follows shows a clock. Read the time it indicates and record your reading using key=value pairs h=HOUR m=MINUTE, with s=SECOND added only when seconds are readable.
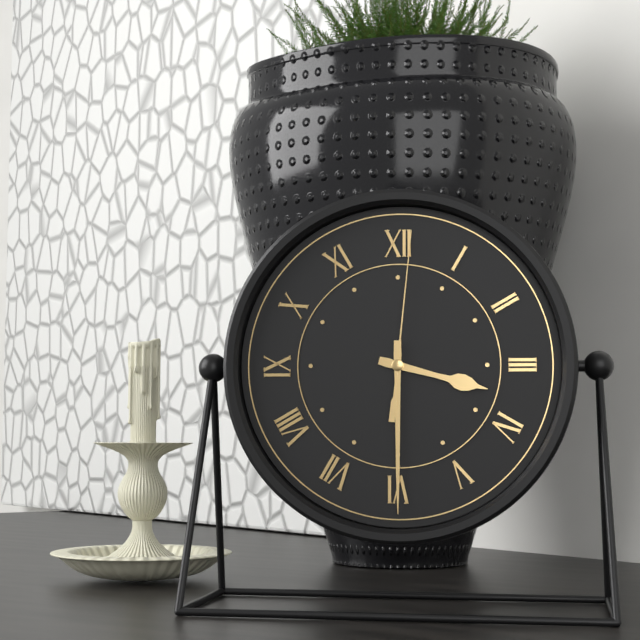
h=3 m=30 s=1
